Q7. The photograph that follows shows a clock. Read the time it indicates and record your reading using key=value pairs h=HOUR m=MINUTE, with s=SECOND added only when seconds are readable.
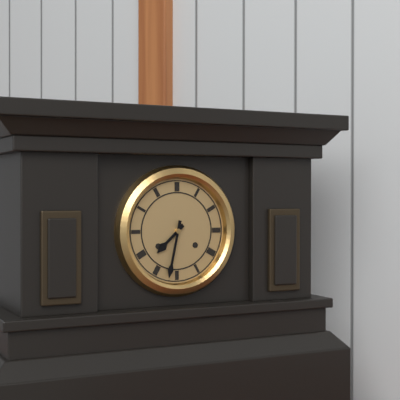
h=7 m=32
